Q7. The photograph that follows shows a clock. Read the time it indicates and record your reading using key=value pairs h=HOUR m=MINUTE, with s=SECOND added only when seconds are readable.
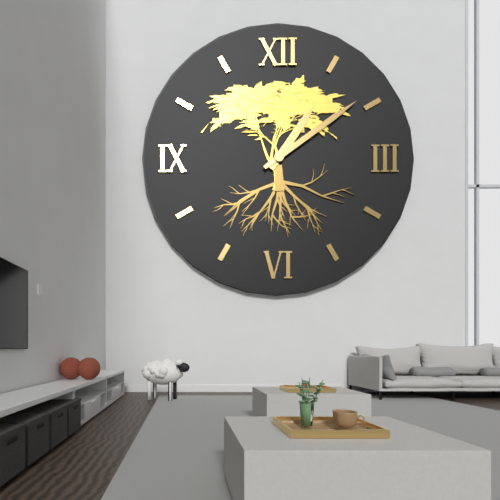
h=1 m=9
